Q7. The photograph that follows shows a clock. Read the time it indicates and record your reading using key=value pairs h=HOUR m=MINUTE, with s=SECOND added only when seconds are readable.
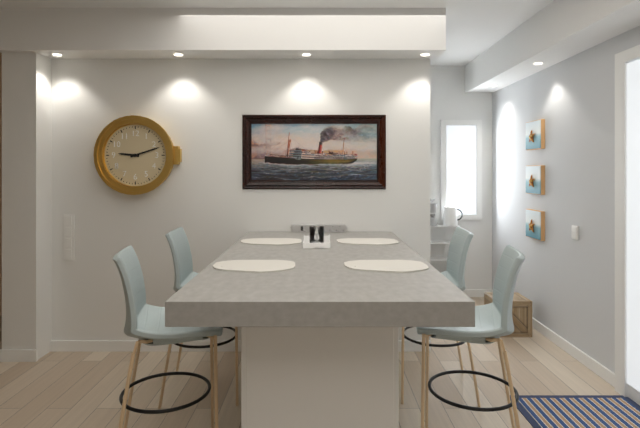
h=9 m=12
